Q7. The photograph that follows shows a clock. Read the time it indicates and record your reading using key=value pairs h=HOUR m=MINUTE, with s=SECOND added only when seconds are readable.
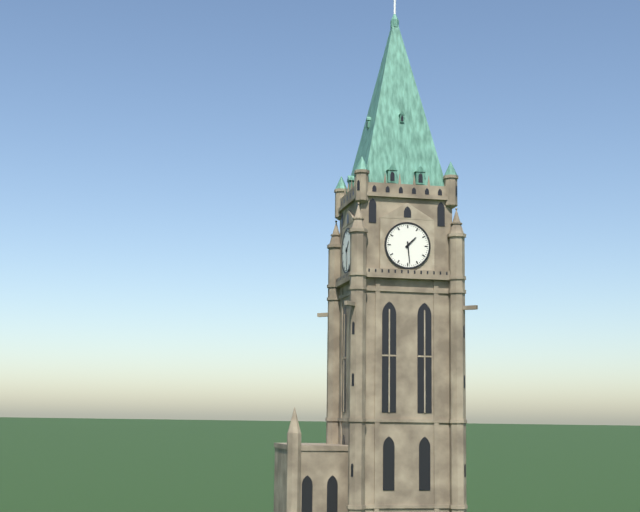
h=1 m=29
